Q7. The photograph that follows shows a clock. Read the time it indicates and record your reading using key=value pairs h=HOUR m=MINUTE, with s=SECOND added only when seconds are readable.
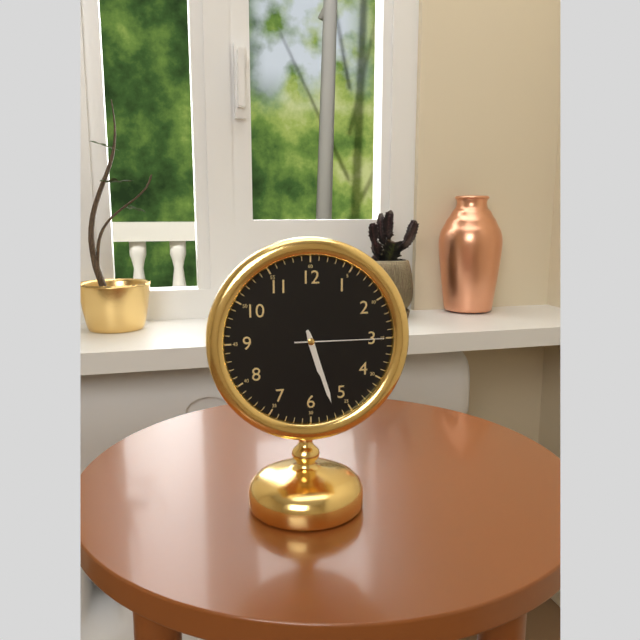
h=5 m=27 s=15
